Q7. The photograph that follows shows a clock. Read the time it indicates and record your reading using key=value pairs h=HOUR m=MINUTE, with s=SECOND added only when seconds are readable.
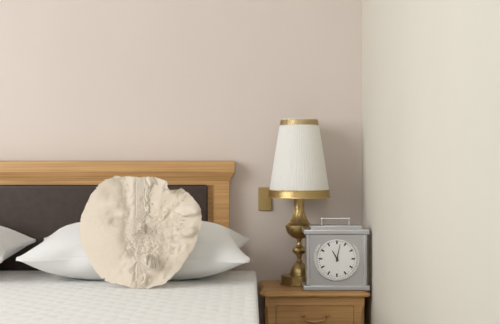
h=11 m=2
